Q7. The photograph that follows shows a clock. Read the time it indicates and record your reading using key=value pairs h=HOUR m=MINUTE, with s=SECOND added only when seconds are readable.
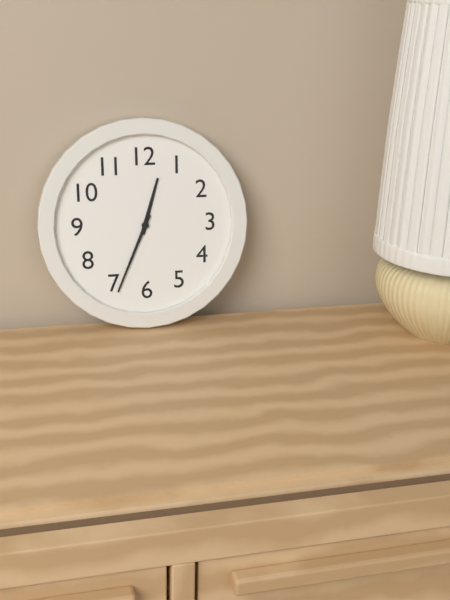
h=12 m=34
